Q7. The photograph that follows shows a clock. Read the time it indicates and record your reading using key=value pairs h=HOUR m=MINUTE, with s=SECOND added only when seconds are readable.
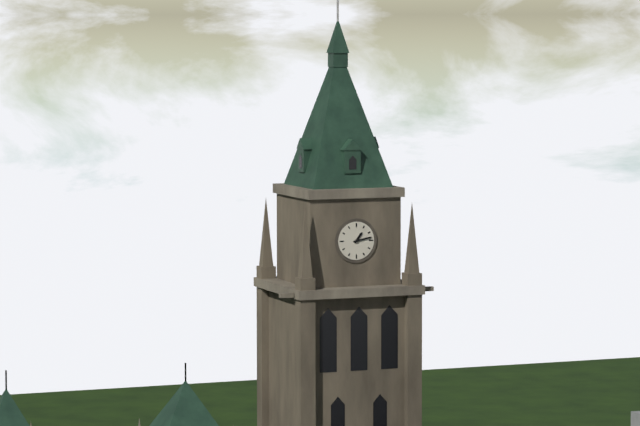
h=1 m=13
